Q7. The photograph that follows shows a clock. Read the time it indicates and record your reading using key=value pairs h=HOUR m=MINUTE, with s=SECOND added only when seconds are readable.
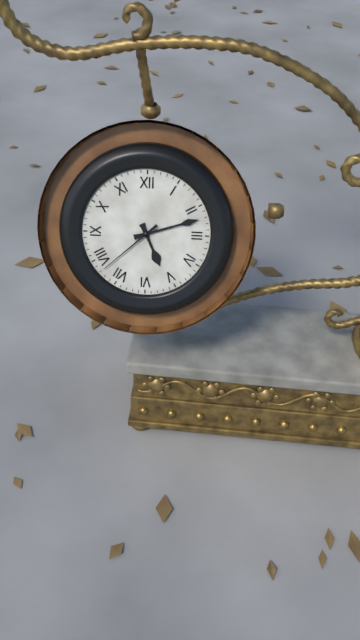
h=5 m=12 s=38
